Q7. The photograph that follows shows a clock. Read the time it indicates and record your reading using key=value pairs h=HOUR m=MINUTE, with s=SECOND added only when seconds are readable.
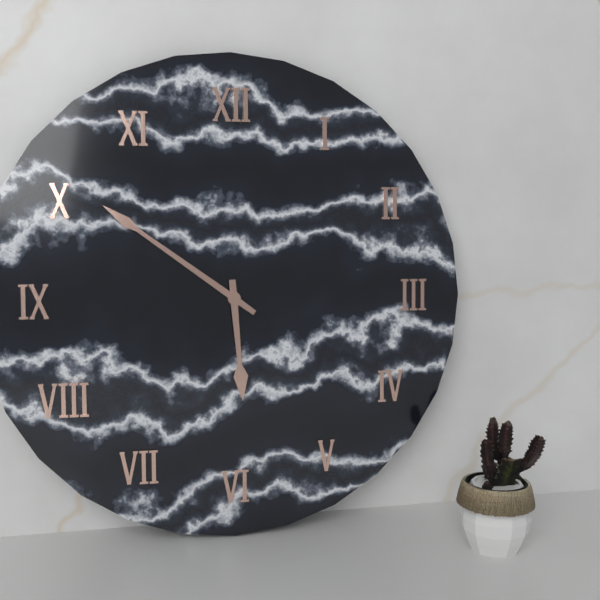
h=5 m=51
